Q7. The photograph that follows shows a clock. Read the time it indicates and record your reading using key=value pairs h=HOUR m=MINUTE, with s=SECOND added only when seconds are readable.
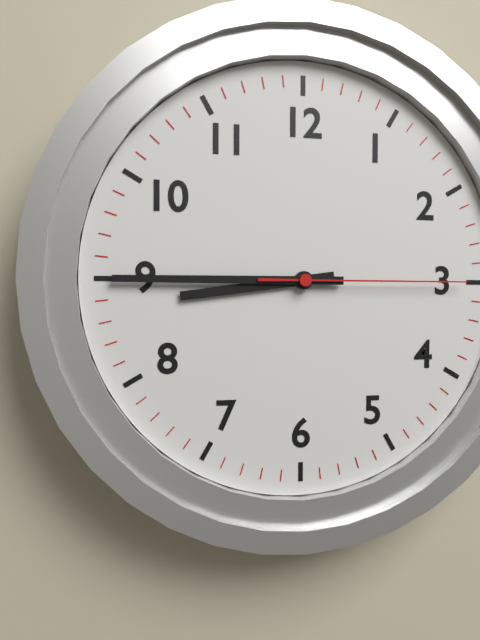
h=8 m=45 s=15
